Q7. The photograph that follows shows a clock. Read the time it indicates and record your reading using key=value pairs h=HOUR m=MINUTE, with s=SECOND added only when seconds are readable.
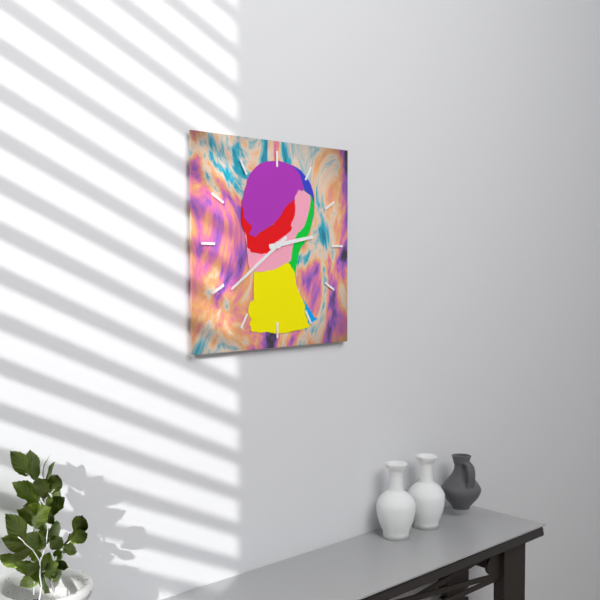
h=2 m=39
